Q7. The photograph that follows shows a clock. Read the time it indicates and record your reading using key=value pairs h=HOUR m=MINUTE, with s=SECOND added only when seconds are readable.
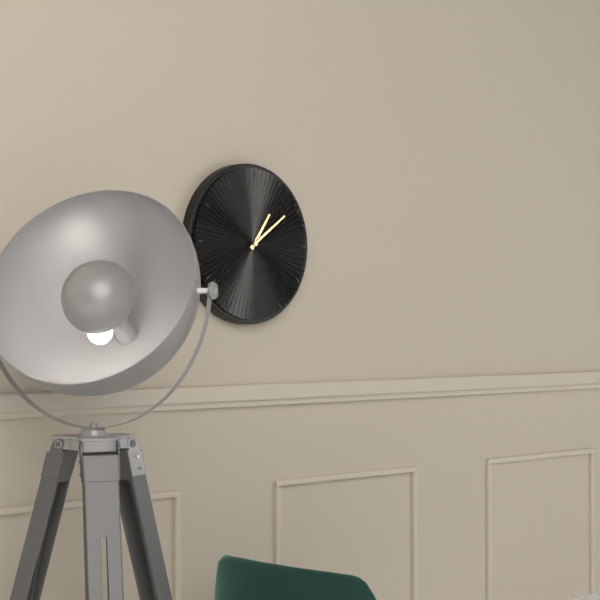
h=1 m=9
